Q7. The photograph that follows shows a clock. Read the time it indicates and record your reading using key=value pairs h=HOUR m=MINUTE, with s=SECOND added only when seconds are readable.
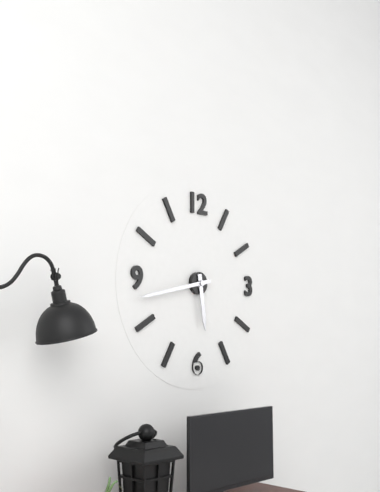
h=5 m=43
